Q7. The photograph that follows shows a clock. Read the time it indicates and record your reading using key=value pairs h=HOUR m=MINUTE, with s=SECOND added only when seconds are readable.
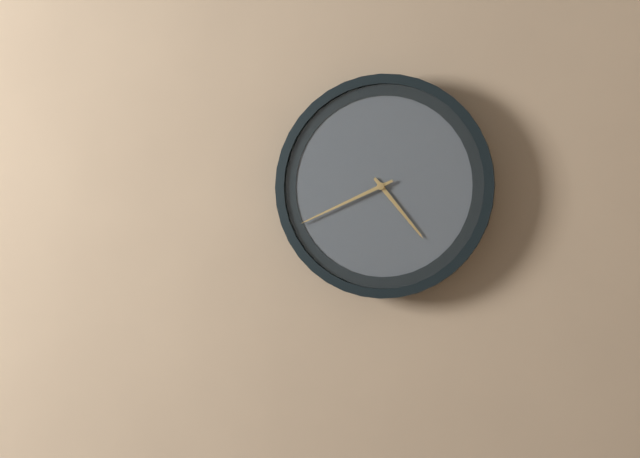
h=4 m=41
